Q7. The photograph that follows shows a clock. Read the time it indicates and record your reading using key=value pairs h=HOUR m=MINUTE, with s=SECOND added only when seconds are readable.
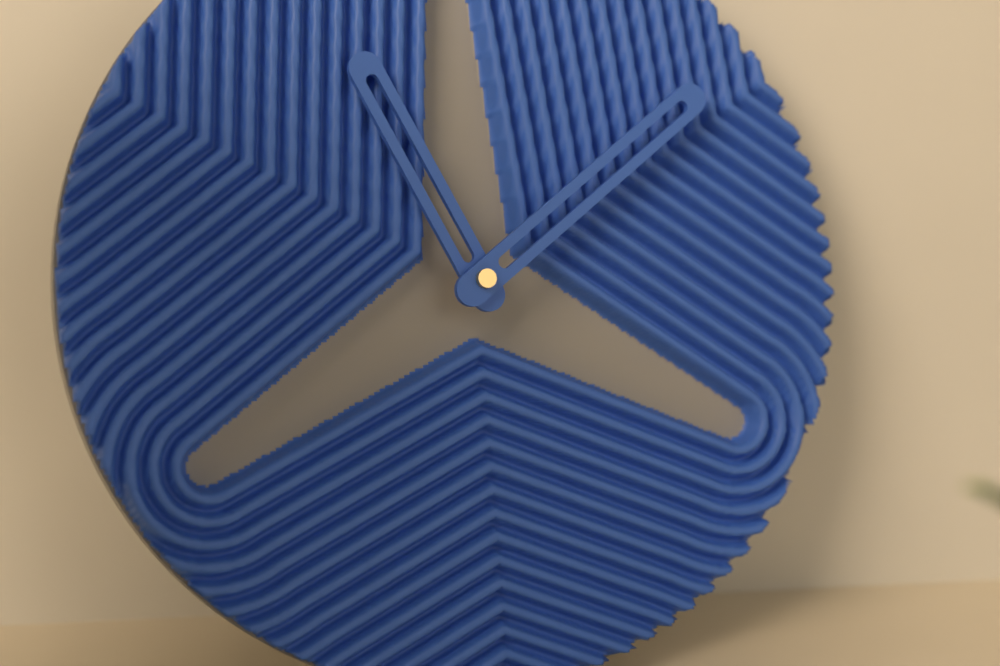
h=11 m=9
